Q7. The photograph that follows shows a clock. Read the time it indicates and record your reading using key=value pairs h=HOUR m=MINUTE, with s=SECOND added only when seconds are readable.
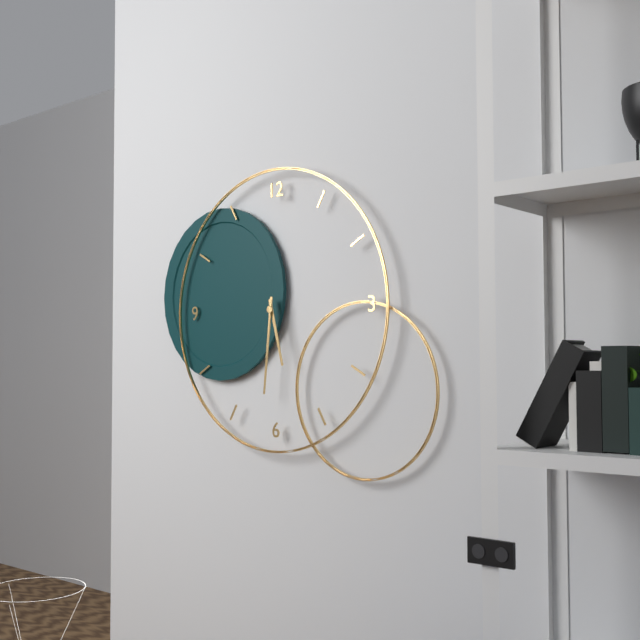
h=5 m=31
